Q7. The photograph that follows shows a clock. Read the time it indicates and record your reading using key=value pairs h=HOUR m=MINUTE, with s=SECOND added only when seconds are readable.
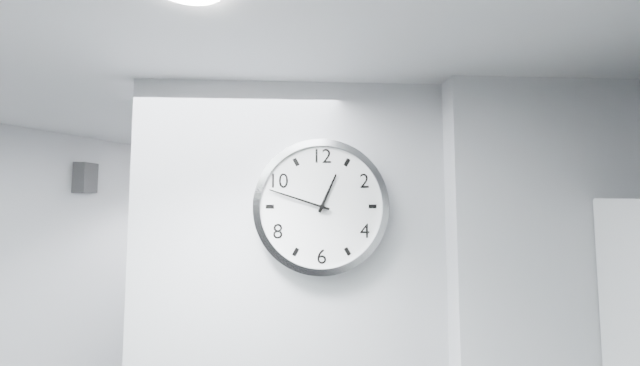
h=12 m=48
